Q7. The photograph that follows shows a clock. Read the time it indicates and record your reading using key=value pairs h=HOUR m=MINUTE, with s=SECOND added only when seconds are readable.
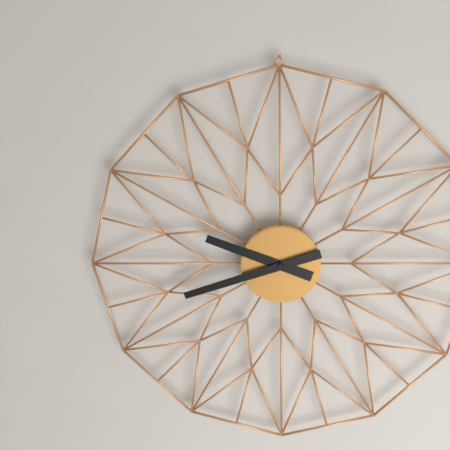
h=9 m=42
